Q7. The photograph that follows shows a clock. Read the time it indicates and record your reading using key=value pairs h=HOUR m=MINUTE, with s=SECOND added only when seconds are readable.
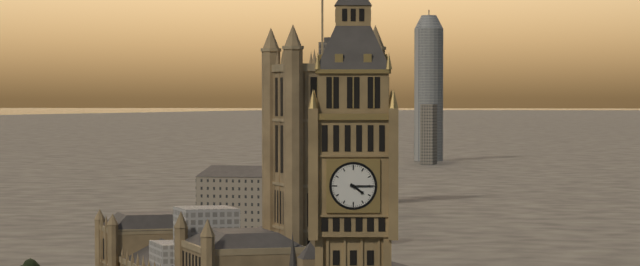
h=4 m=15
